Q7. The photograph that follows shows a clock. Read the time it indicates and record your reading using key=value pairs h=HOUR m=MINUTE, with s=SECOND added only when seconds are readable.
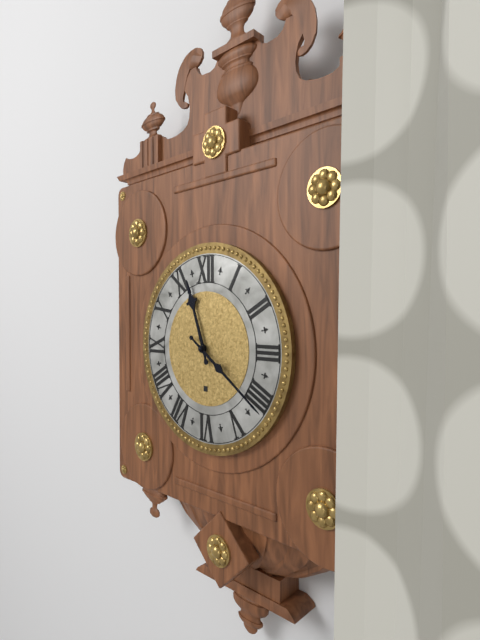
h=11 m=21
